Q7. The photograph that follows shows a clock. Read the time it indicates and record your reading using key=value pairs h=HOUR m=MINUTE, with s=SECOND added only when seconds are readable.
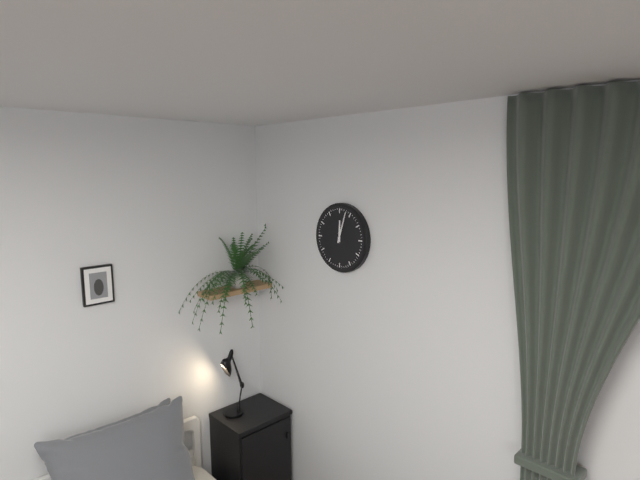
h=12 m=3
